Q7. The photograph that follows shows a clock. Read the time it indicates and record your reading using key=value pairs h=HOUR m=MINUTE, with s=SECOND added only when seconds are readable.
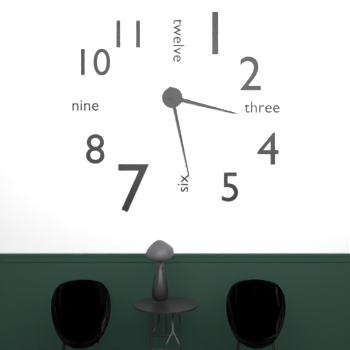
h=3 m=28
